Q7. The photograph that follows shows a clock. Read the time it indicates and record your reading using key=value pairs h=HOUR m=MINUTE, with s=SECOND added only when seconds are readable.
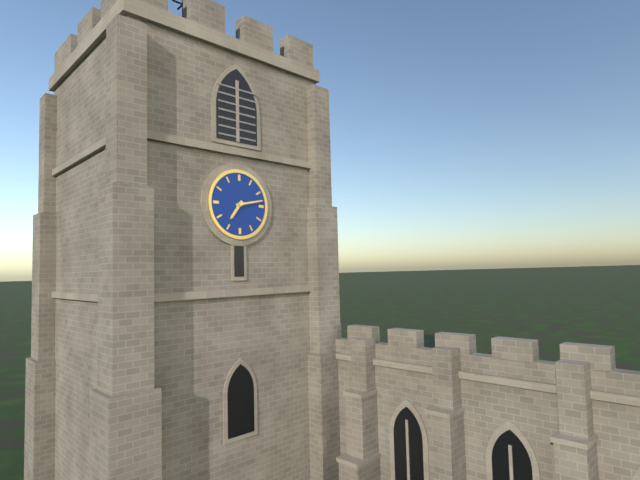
h=7 m=13
